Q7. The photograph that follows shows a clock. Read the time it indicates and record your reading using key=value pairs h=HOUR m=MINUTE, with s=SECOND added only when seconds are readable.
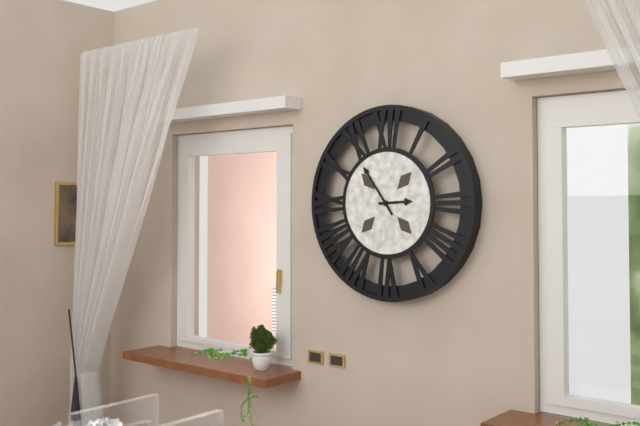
h=2 m=54
